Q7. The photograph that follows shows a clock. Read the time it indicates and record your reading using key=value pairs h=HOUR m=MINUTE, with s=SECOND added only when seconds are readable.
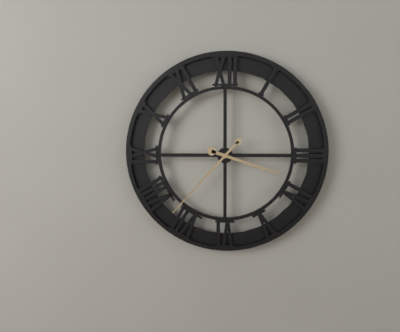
h=3 m=37
